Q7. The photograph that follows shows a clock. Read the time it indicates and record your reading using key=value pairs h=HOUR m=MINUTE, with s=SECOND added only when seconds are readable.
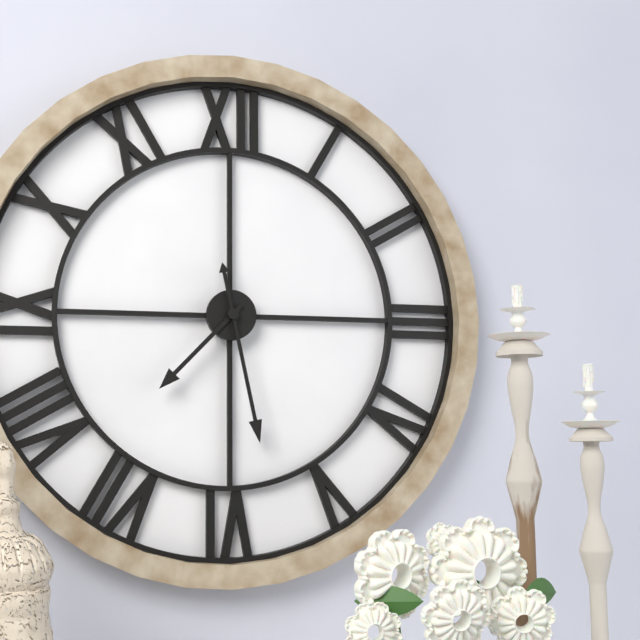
h=7 m=28
